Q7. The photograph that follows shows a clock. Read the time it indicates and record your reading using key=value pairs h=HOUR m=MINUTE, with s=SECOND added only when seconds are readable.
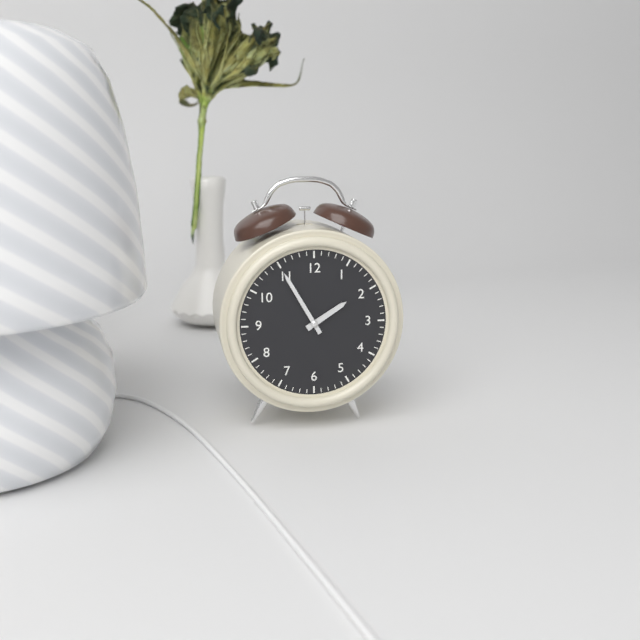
h=1 m=55
